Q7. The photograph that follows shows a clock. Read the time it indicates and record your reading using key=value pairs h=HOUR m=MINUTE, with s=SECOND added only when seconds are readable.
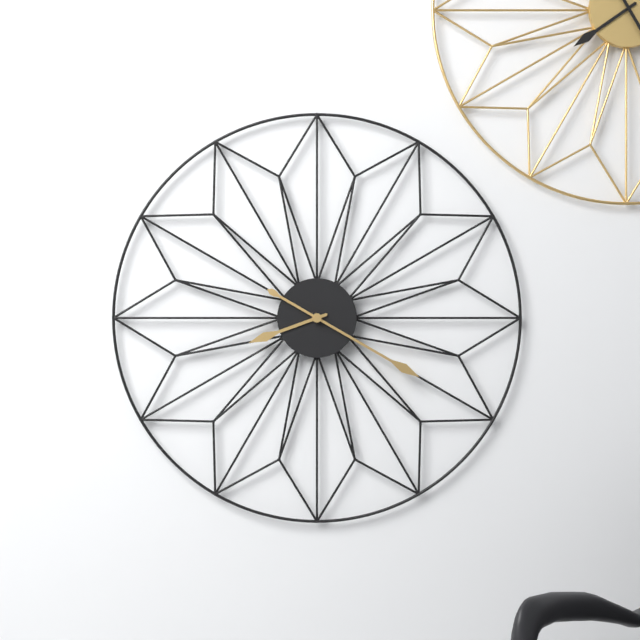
h=8 m=20
